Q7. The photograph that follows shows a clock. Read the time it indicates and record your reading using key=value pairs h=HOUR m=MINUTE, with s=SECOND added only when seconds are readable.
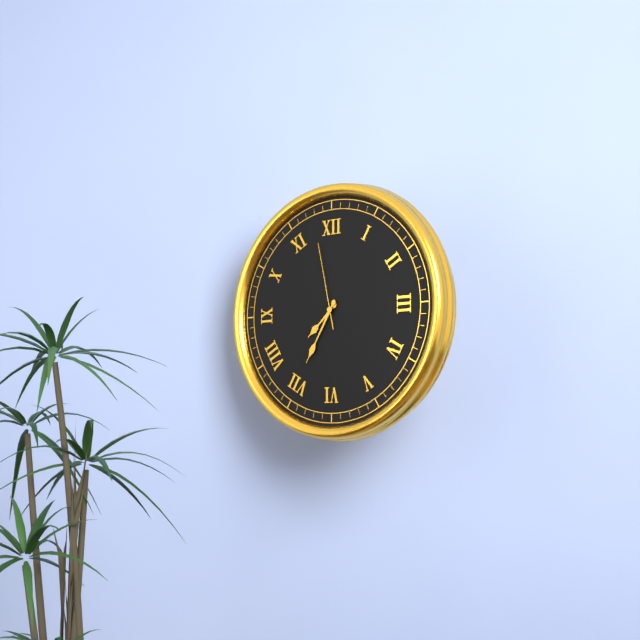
h=7 m=35 s=58
